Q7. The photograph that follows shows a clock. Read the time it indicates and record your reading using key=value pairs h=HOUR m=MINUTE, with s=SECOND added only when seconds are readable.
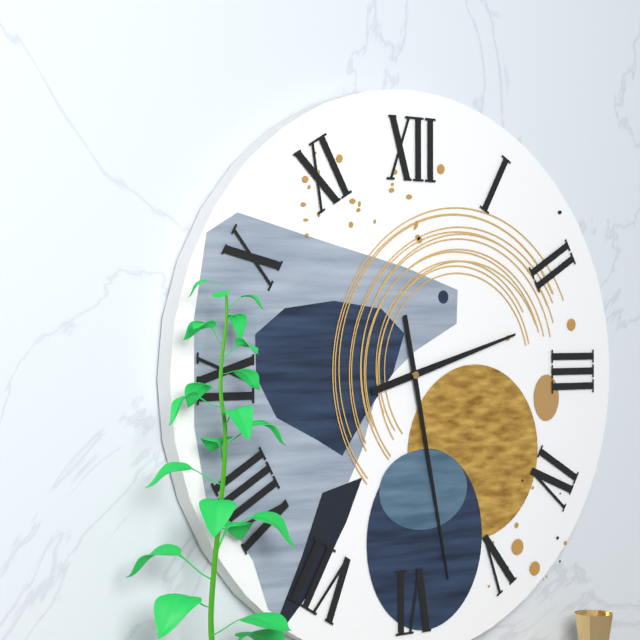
h=2 m=28
